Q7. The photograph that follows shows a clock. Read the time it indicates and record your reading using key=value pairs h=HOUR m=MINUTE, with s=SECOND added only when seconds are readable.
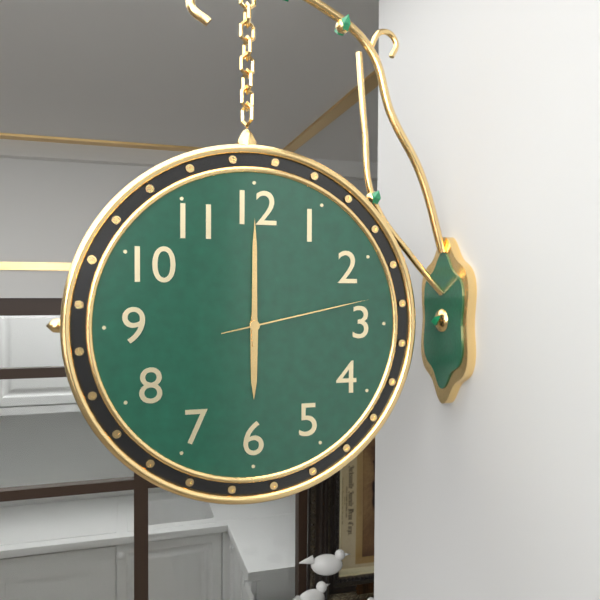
h=6 m=0 s=13
